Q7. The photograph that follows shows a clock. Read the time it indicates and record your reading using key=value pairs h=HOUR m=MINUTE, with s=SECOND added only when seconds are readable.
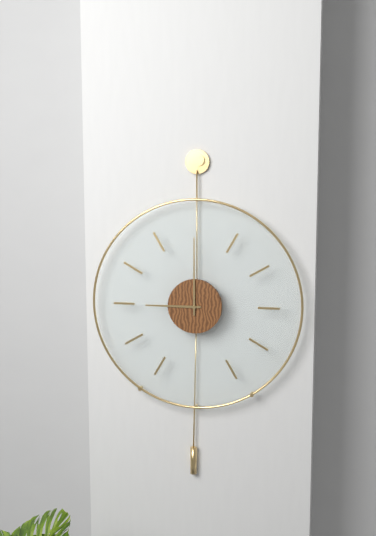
h=9 m=0
